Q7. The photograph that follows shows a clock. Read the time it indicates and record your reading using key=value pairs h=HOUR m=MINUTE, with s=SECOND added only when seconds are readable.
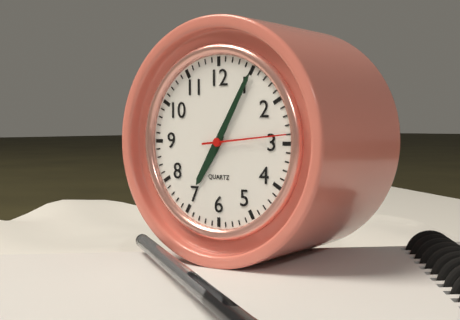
h=7 m=5 s=14
